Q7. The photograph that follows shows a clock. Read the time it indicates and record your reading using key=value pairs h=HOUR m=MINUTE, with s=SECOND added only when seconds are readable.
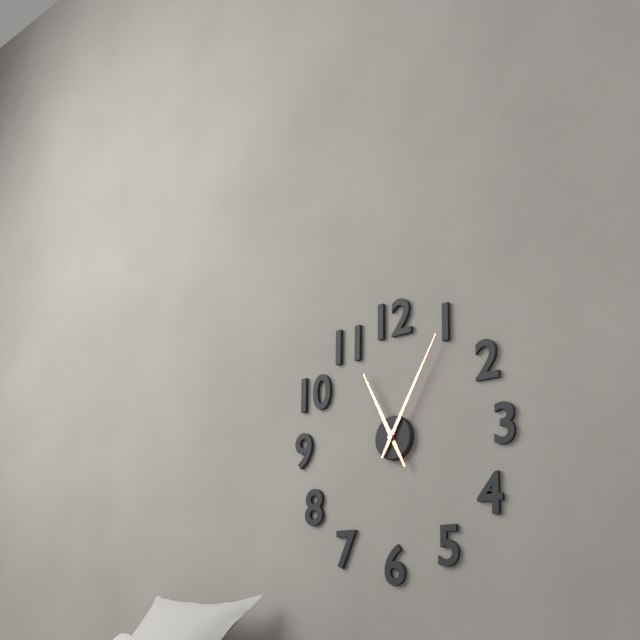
h=11 m=5
